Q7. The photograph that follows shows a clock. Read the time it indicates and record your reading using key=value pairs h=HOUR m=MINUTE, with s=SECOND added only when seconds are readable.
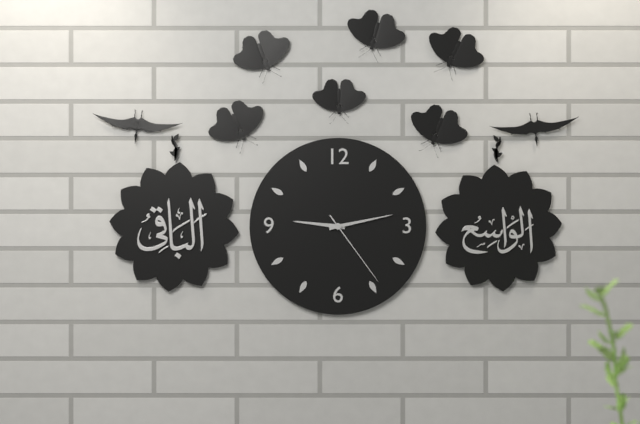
h=9 m=13 s=24
